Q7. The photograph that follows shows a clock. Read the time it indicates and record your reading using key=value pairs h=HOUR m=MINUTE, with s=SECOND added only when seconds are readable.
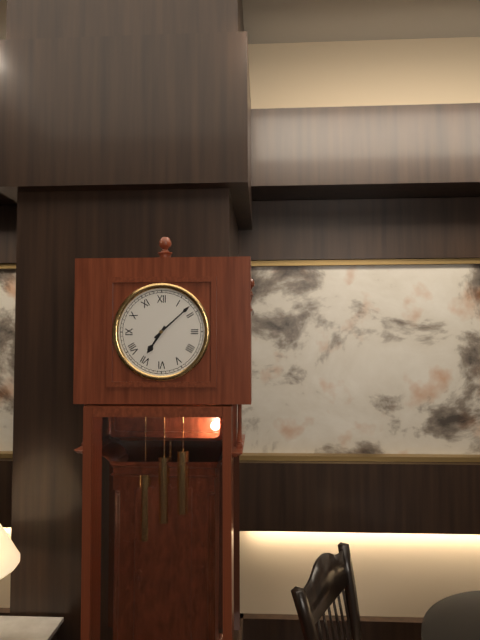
h=7 m=8
